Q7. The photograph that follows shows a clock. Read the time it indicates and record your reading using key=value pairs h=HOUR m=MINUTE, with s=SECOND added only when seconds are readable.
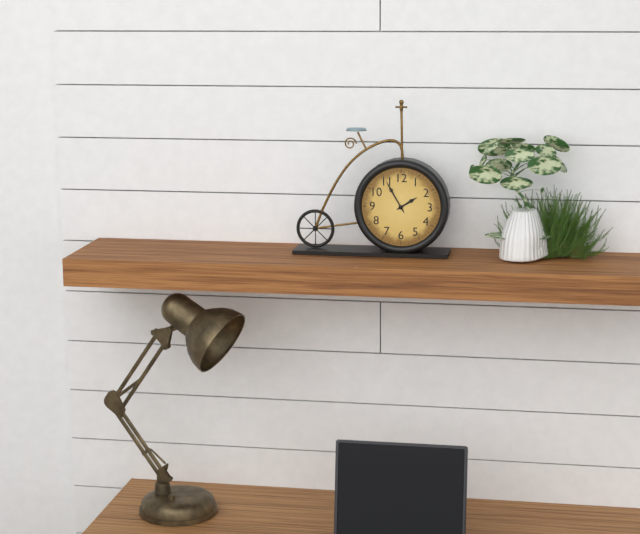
h=1 m=55
